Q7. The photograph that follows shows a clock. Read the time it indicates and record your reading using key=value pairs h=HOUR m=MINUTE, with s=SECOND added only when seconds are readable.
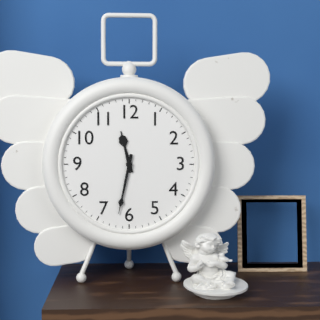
h=11 m=32
